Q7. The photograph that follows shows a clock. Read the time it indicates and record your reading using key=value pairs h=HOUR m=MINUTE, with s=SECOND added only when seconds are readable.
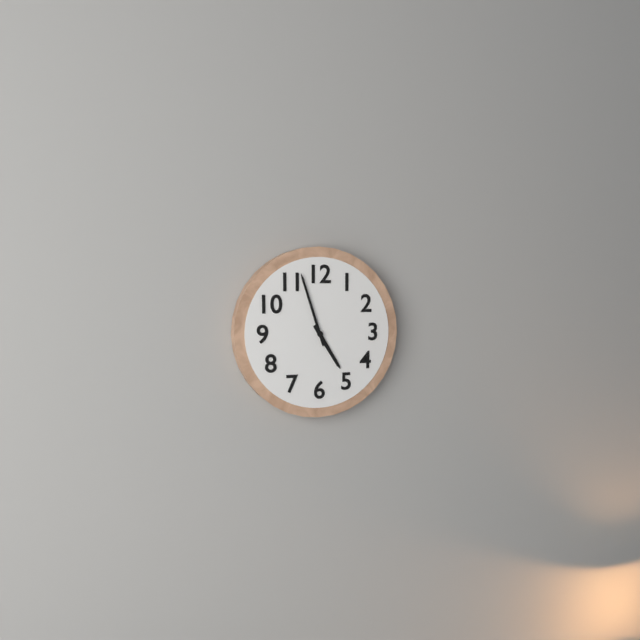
h=4 m=57
